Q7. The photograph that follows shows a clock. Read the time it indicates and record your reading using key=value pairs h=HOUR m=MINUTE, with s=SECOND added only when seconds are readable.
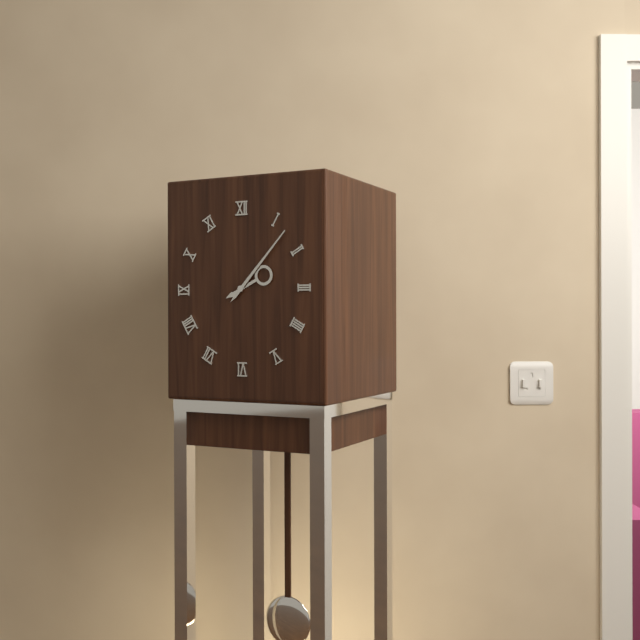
h=2 m=7
